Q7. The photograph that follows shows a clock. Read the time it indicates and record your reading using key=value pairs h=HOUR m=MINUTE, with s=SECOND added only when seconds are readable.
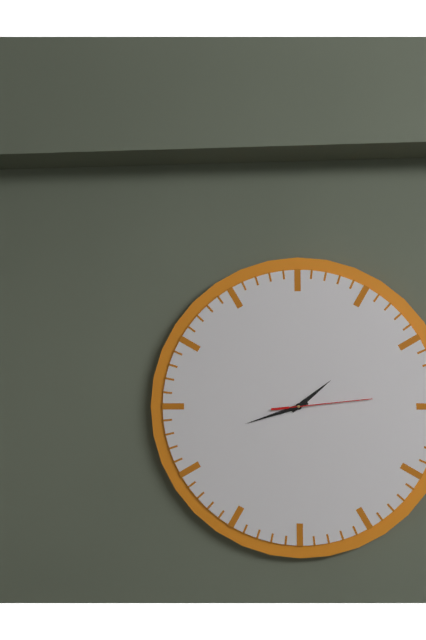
h=1 m=42 s=14
